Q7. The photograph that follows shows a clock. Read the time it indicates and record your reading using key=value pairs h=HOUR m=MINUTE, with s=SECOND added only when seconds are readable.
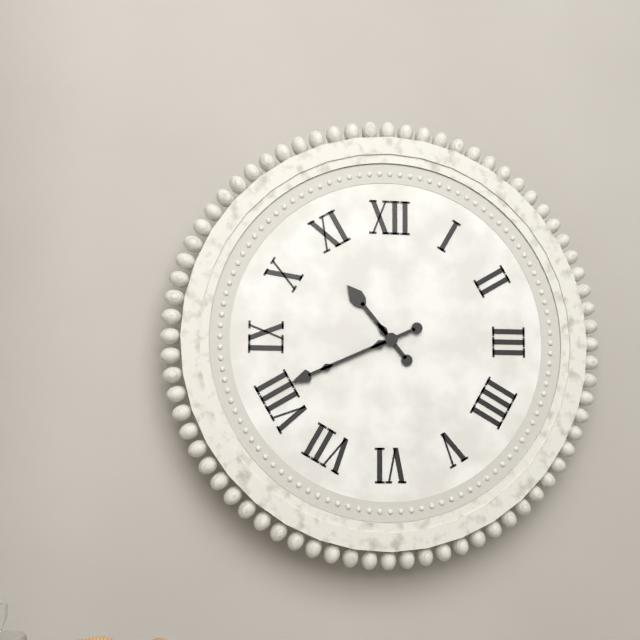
h=10 m=41
